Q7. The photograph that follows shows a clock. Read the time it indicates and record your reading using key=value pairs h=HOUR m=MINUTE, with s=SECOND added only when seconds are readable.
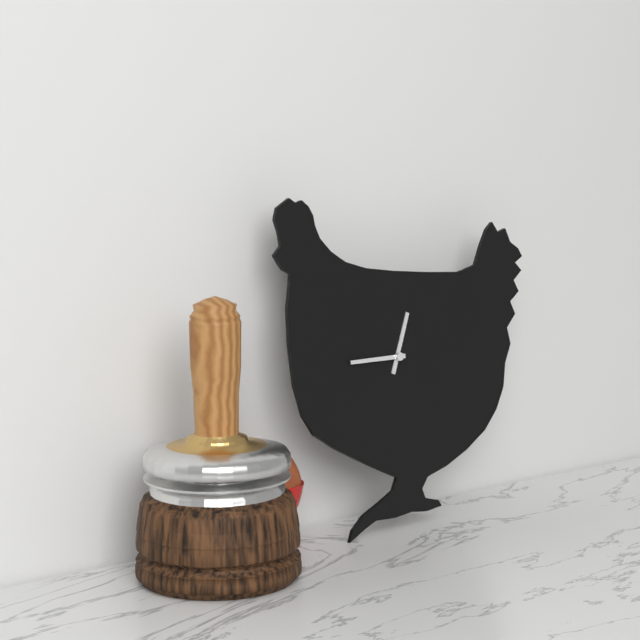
h=12 m=45
